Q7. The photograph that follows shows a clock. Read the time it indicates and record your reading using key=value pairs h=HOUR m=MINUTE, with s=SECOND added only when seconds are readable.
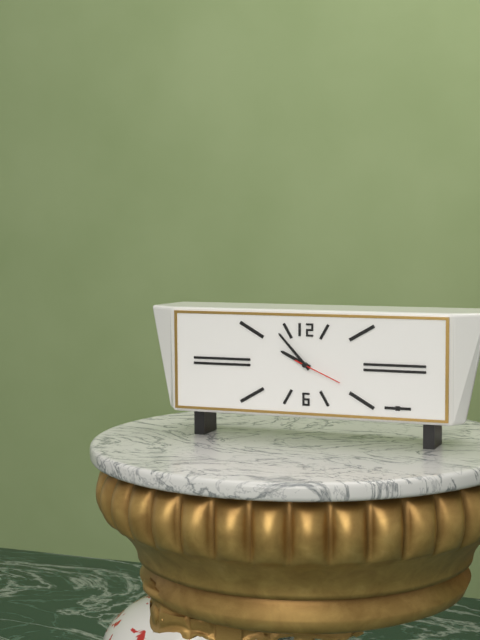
h=9 m=53
